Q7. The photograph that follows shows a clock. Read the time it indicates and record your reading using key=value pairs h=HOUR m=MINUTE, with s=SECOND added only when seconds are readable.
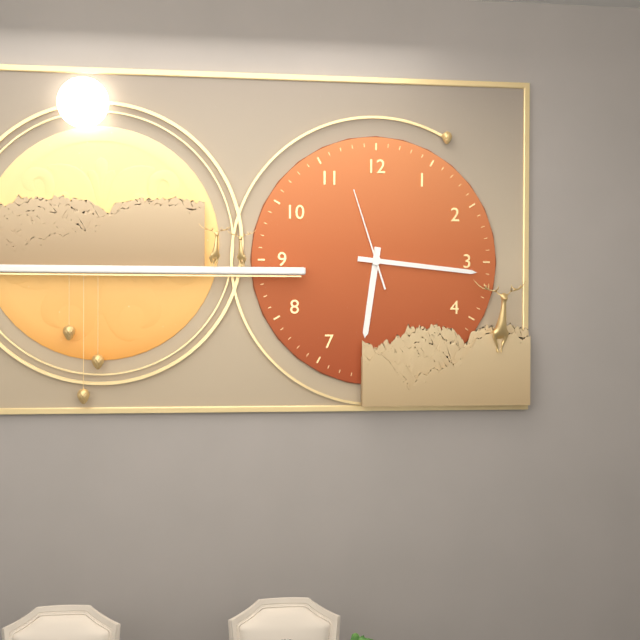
h=6 m=16 s=57
